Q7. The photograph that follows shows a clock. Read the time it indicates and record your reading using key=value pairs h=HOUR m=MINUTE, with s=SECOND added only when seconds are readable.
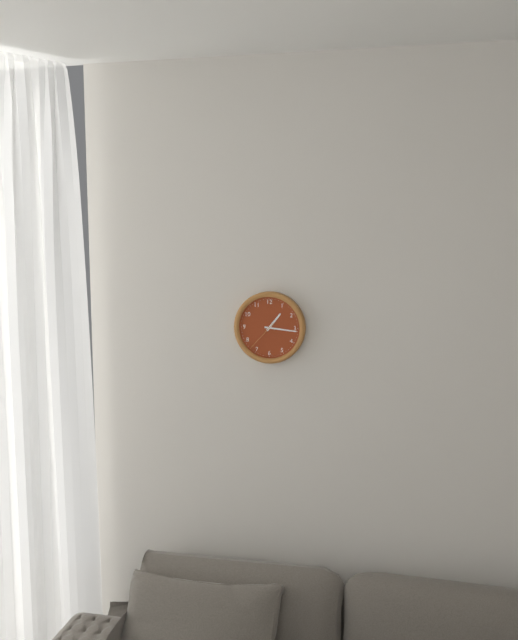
h=1 m=16
